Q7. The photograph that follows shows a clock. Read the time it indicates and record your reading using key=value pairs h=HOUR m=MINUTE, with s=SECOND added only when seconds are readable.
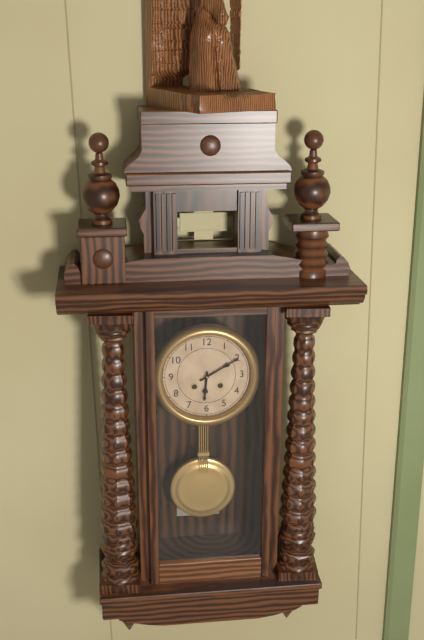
h=6 m=10
